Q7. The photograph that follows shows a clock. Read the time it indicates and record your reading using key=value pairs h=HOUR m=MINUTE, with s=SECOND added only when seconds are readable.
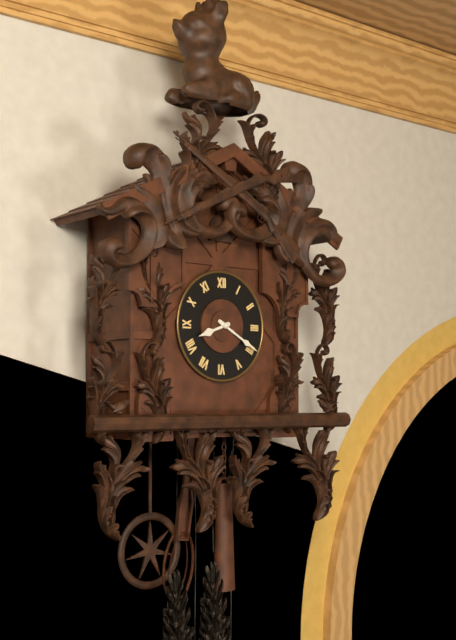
h=8 m=20
